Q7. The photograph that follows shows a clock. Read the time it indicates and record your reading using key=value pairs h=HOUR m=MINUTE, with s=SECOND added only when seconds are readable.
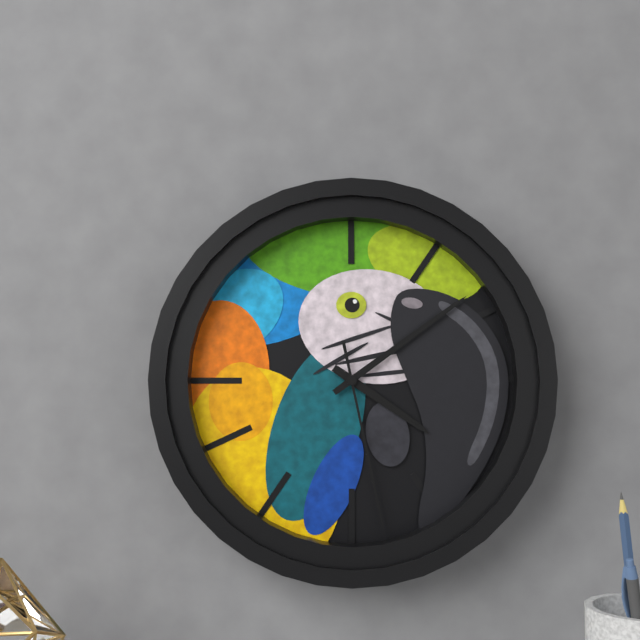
h=4 m=9 s=28
